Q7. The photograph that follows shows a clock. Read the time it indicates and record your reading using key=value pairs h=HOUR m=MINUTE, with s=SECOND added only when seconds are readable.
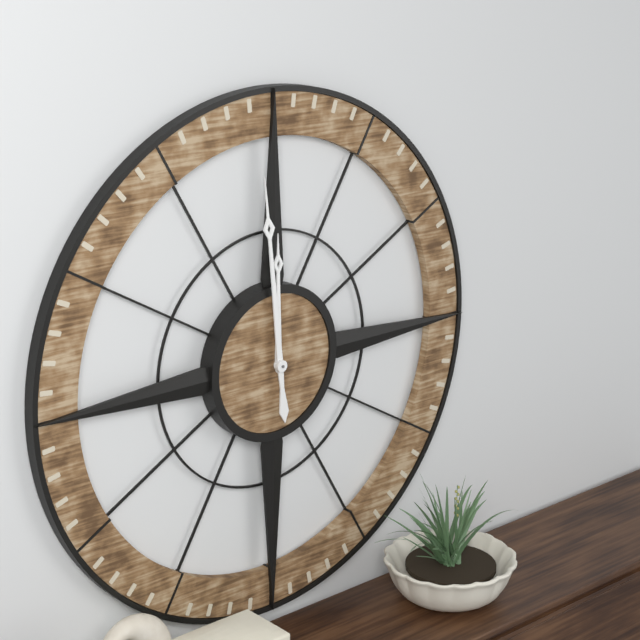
h=11 m=59
